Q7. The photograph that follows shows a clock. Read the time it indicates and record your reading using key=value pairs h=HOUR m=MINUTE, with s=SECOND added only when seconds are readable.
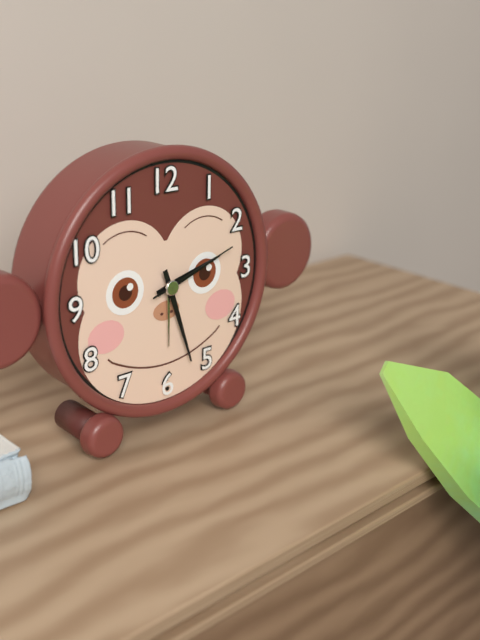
h=2 m=27 s=12
